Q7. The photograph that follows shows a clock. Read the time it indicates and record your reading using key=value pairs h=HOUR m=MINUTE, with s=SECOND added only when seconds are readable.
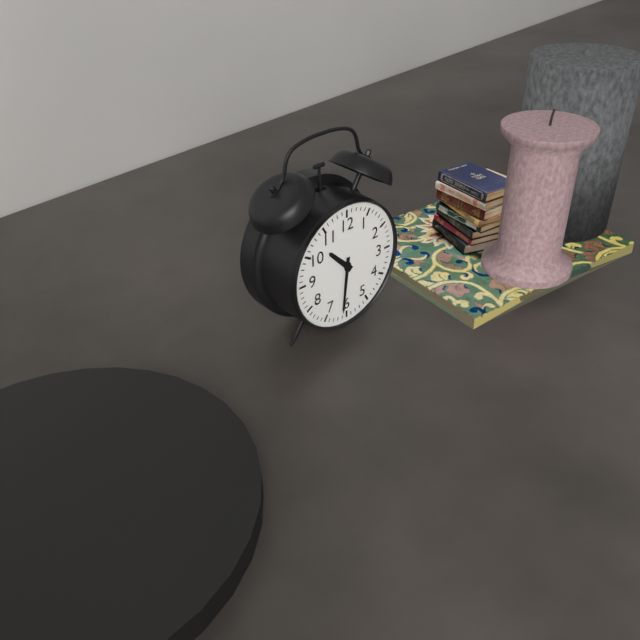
h=10 m=31
